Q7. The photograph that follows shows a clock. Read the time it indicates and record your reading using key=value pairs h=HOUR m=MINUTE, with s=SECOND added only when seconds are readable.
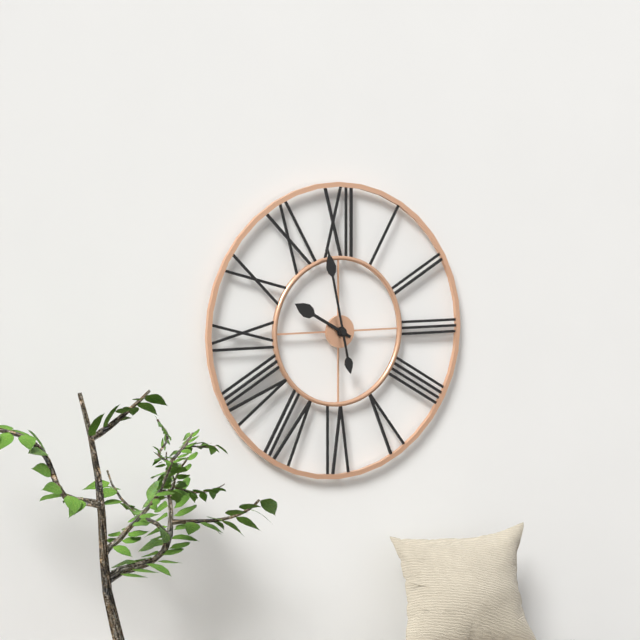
h=9 m=58
